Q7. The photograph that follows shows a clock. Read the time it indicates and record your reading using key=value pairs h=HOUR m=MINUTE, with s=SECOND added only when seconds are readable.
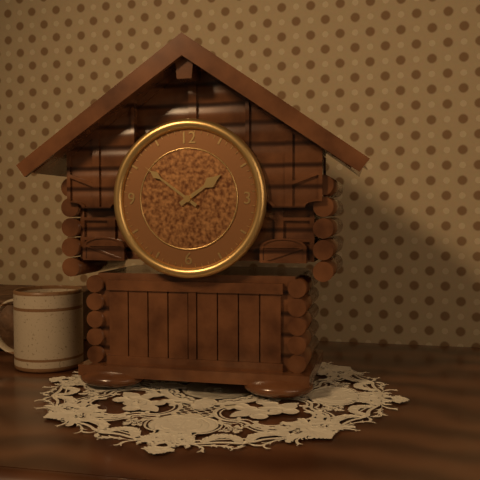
h=1 m=51
